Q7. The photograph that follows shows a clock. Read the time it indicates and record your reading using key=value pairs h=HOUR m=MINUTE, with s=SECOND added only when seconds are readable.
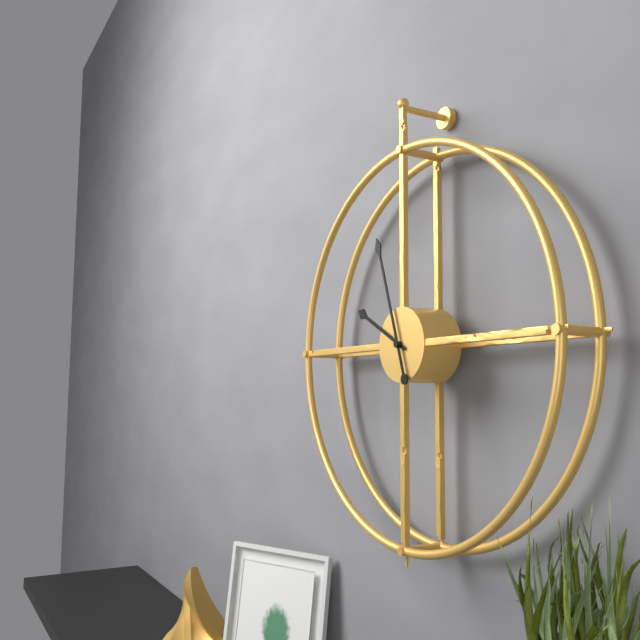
h=9 m=57
